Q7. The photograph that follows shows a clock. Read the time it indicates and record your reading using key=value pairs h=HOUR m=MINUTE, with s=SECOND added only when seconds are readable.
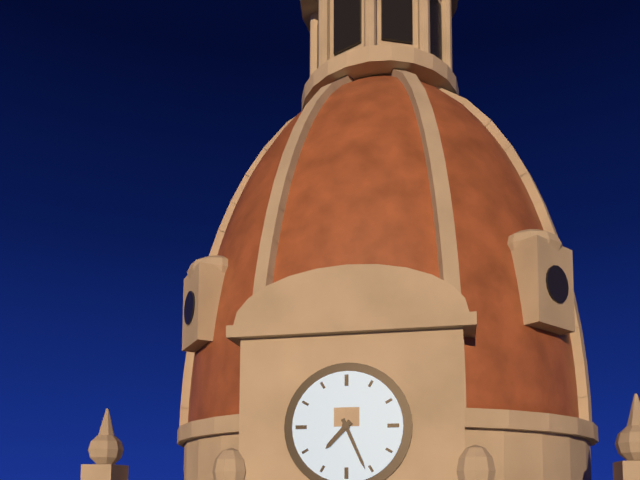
h=7 m=26
